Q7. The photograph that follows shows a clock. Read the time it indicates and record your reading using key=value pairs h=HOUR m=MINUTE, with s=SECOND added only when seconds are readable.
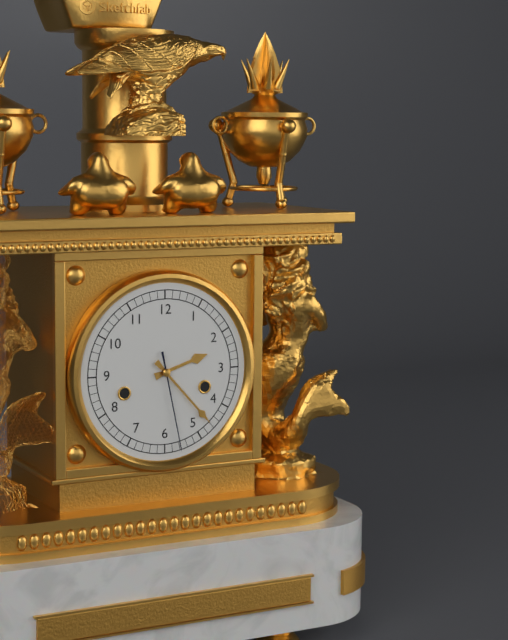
h=2 m=23 s=28
